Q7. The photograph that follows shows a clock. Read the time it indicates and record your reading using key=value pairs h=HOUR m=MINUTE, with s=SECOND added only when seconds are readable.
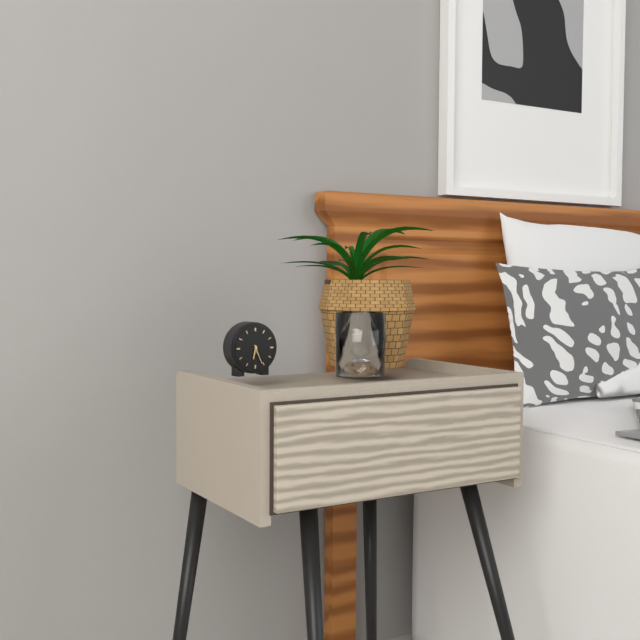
h=6 m=26
